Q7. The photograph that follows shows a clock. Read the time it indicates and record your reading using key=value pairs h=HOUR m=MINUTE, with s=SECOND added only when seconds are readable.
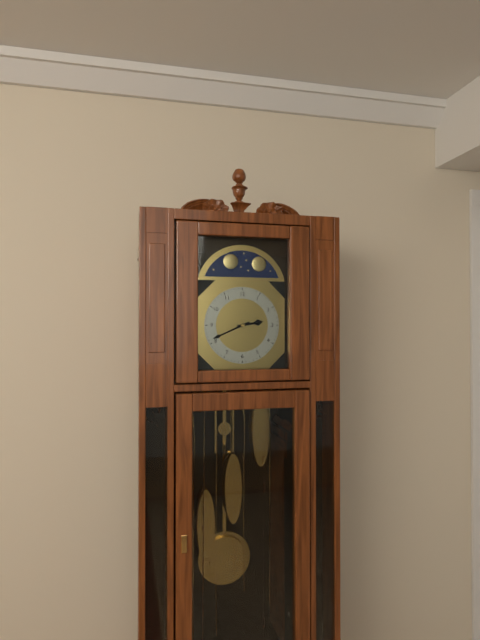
h=2 m=41
